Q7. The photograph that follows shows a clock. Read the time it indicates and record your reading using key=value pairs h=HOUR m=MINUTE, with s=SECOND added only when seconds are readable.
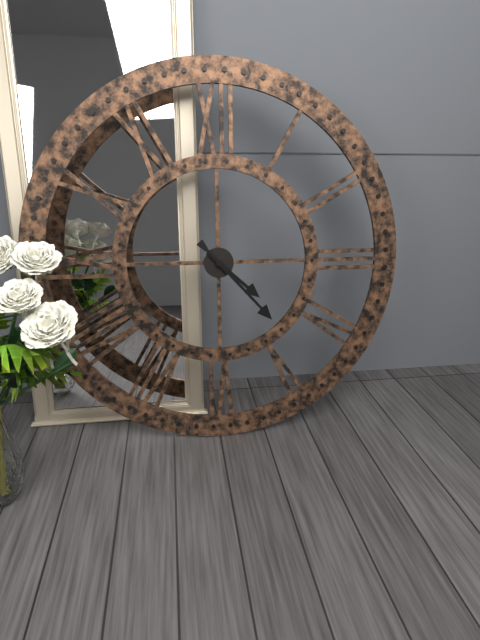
h=4 m=23
